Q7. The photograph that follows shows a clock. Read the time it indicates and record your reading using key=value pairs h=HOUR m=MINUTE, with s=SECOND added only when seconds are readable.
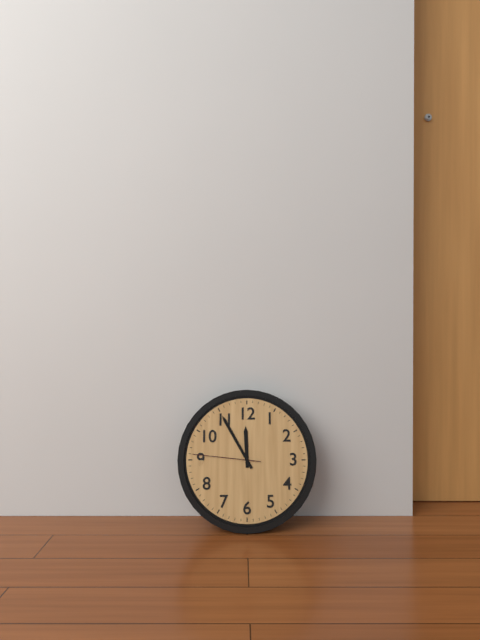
h=11 m=55 s=46
